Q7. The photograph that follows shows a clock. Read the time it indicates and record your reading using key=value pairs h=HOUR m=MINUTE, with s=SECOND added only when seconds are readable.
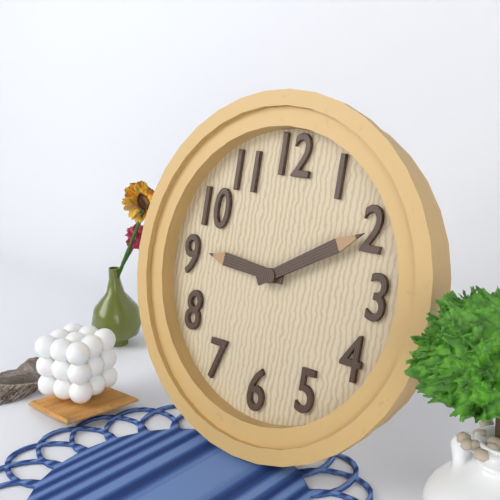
h=9 m=10
